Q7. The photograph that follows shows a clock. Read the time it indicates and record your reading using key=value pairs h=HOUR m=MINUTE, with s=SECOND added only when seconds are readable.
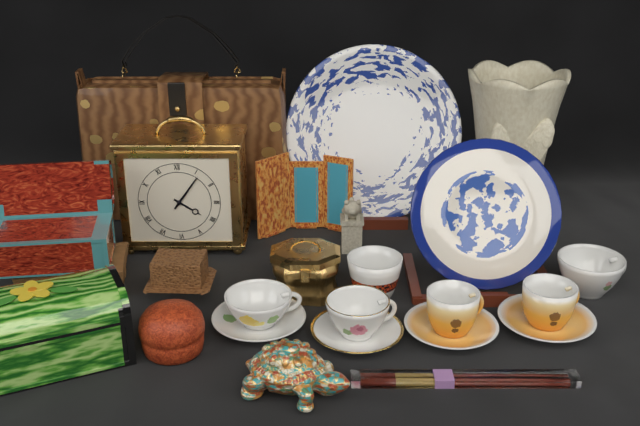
h=4 m=6
